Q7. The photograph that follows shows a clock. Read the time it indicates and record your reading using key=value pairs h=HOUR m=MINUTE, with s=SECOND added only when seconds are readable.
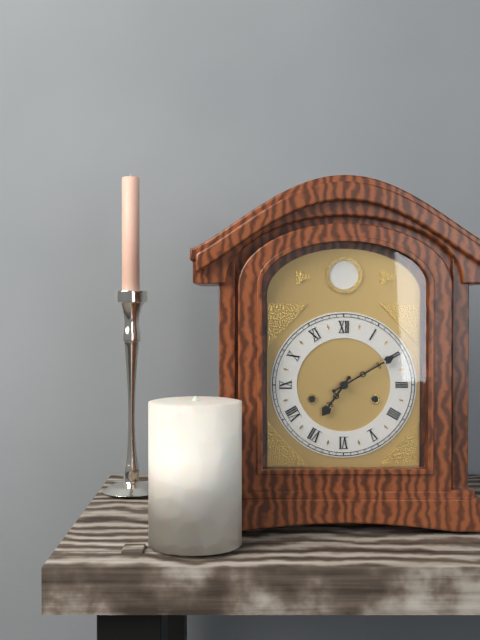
h=7 m=10
